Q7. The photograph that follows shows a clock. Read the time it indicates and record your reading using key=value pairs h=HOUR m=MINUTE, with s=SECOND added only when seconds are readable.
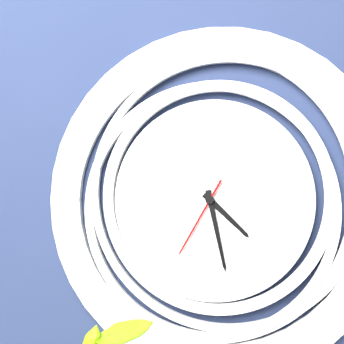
h=4 m=28 s=35
